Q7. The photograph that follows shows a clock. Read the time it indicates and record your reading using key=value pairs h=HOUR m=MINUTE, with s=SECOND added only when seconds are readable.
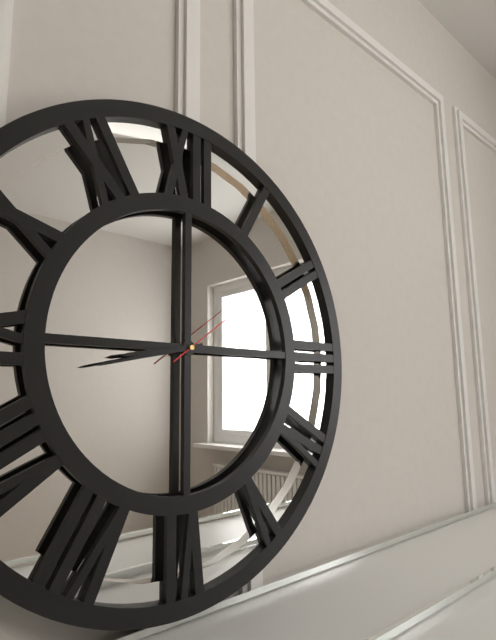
h=8 m=43 s=9
